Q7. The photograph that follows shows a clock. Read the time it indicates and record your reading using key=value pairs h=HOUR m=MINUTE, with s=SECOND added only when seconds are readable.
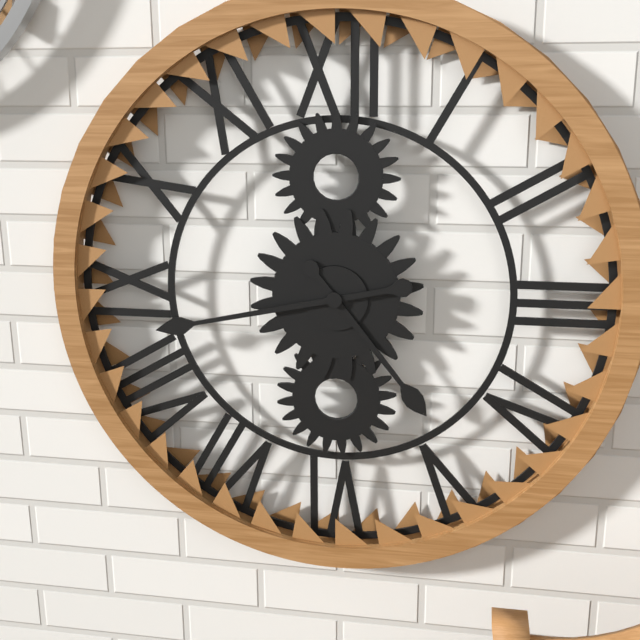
h=4 m=43
